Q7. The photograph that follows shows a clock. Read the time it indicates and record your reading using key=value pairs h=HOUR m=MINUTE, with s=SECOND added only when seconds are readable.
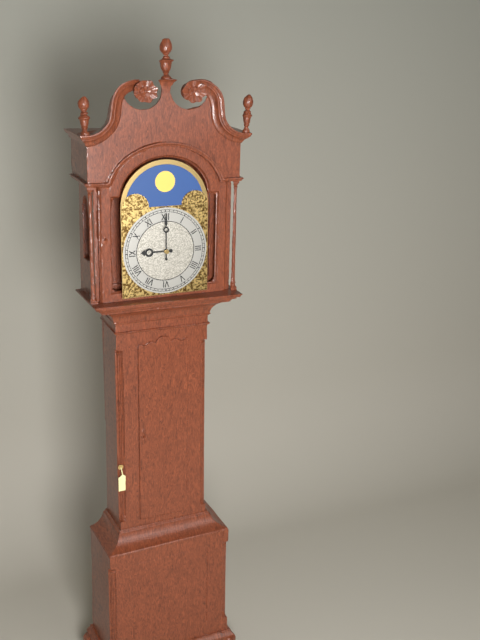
h=9 m=0
